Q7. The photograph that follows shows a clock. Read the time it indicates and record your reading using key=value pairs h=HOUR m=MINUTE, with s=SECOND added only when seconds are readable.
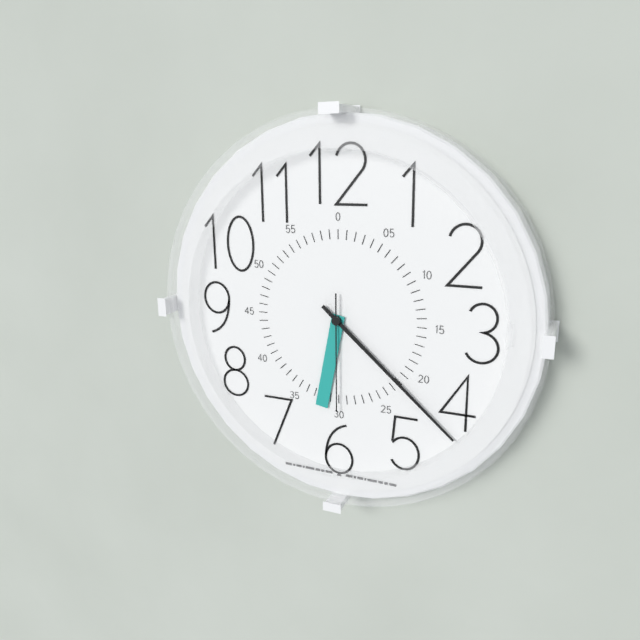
h=6 m=22 s=30
